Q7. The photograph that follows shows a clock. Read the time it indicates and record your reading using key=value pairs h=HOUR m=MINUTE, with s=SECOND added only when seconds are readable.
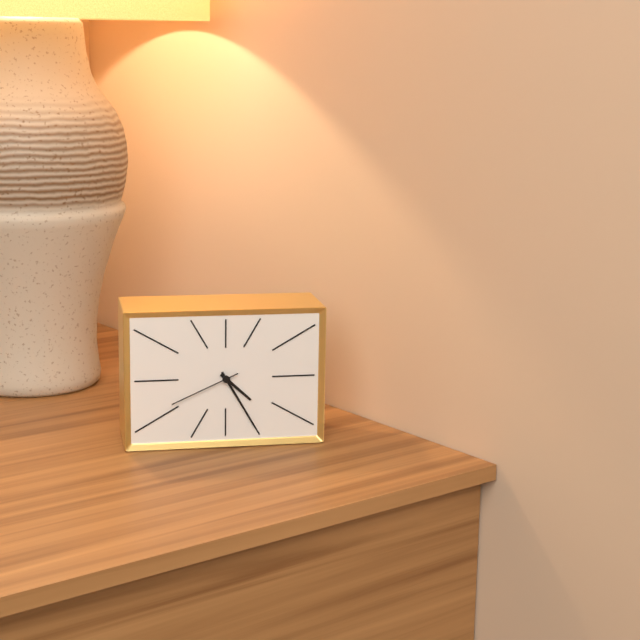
h=4 m=25 s=41
